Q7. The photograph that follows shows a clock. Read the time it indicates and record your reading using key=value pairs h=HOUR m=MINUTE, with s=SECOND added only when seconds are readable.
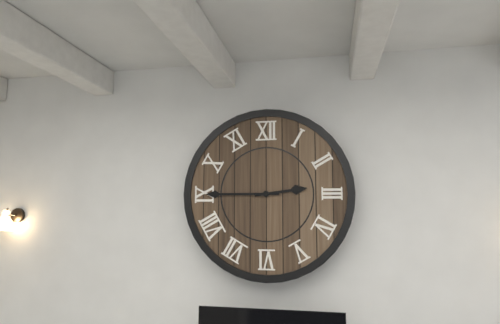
h=2 m=45
